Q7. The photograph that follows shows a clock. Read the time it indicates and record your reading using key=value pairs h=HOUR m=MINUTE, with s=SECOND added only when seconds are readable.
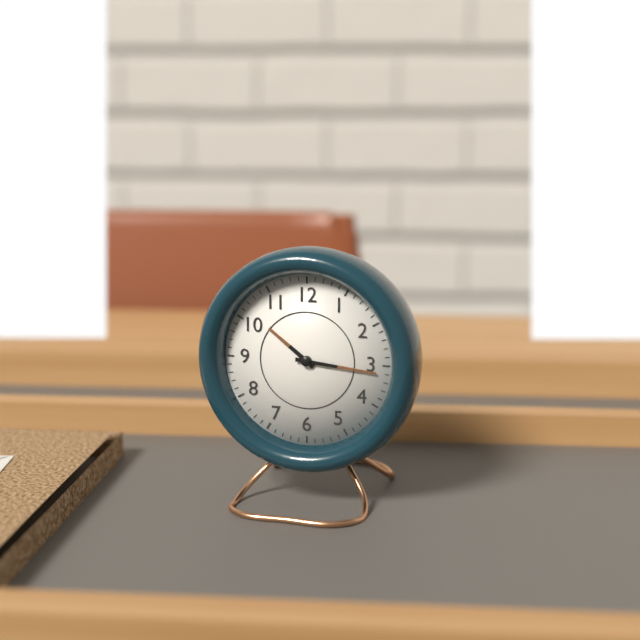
h=10 m=16
